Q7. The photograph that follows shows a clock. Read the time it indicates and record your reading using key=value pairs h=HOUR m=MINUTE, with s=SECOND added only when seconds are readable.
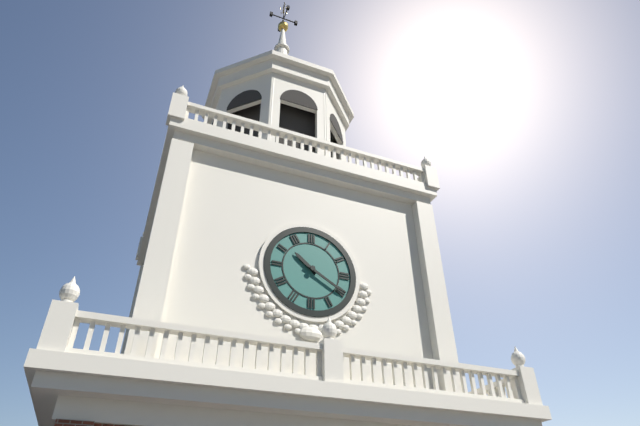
h=10 m=20
